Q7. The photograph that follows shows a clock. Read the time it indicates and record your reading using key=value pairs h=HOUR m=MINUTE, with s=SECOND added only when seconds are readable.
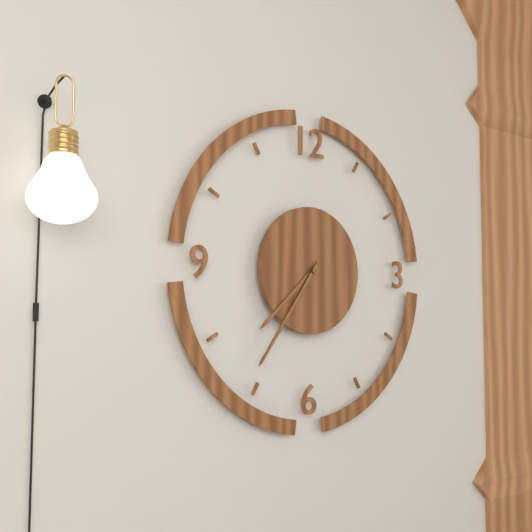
h=7 m=36
